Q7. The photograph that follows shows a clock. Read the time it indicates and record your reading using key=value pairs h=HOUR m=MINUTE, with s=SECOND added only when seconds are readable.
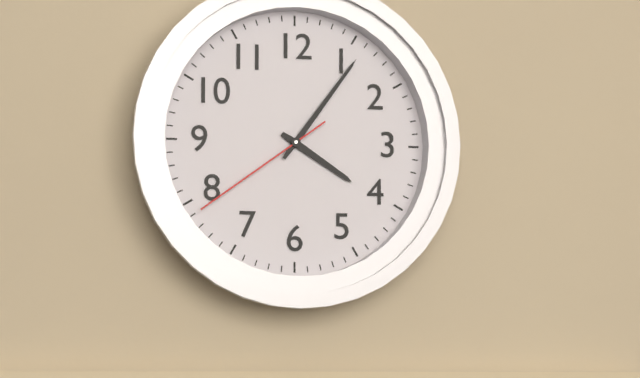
h=4 m=6 s=39
